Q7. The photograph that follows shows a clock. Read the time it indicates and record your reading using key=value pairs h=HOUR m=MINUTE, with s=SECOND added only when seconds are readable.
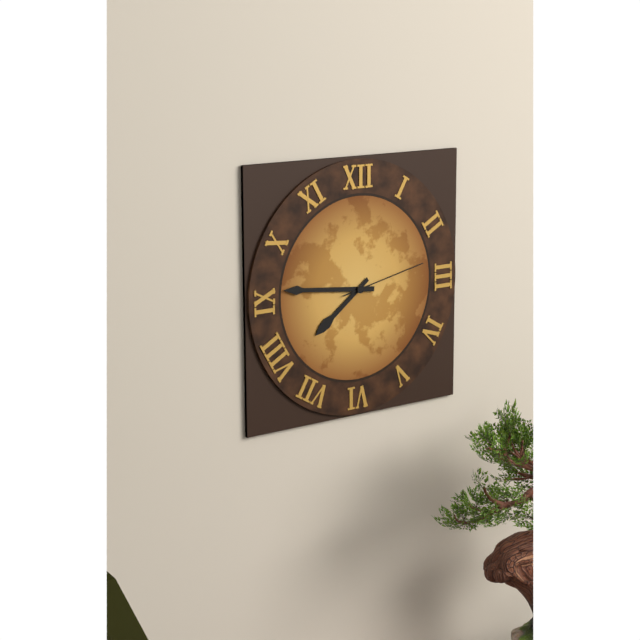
h=7 m=46 s=13
